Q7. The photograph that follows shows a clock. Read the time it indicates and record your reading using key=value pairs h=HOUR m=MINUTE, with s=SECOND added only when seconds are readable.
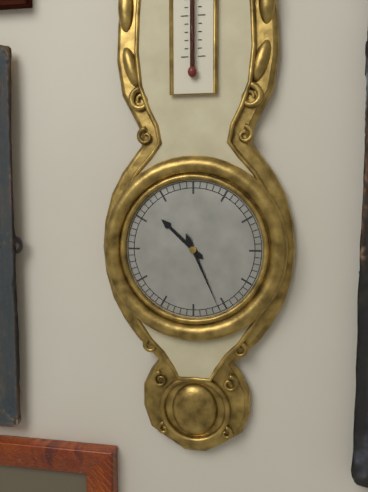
h=10 m=26
